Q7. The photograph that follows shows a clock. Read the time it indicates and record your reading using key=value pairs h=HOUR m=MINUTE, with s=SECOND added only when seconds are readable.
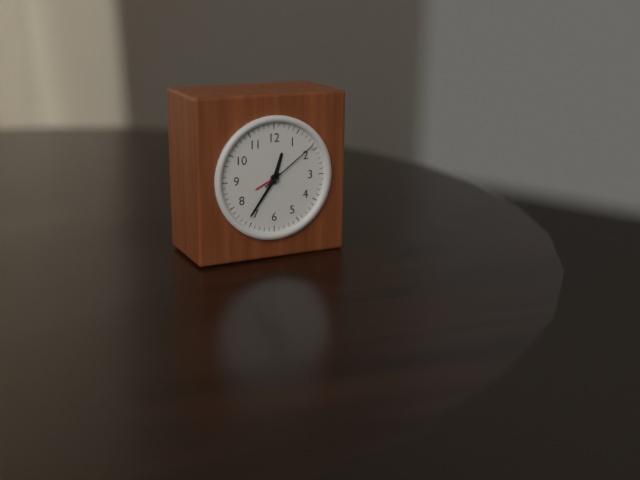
h=12 m=36 s=9
